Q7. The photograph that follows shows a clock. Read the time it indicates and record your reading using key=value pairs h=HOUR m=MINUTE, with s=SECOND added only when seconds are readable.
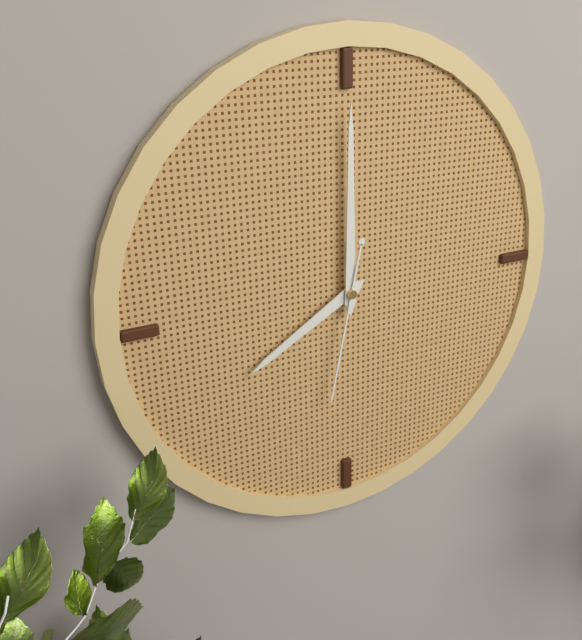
h=8 m=0 s=32
